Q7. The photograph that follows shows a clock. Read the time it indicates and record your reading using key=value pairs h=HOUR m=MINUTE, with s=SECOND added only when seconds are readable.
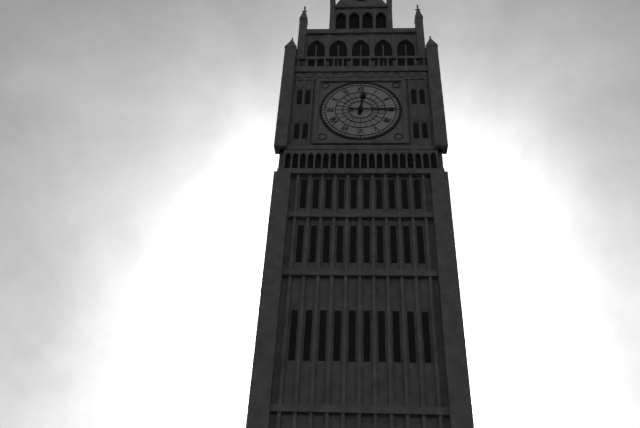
h=12 m=15
